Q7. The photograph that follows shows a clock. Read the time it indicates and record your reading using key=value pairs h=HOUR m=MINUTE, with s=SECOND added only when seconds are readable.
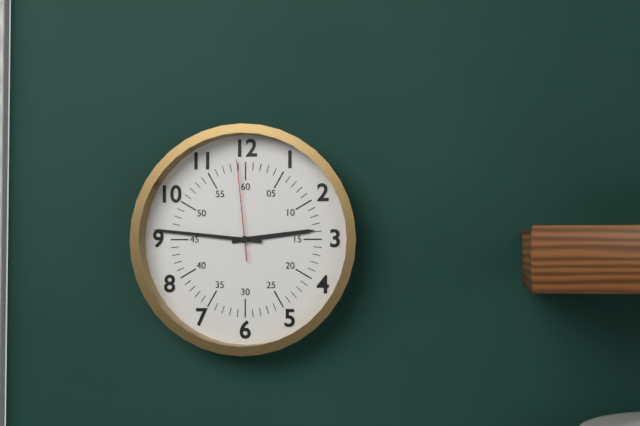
h=2 m=46 s=59
